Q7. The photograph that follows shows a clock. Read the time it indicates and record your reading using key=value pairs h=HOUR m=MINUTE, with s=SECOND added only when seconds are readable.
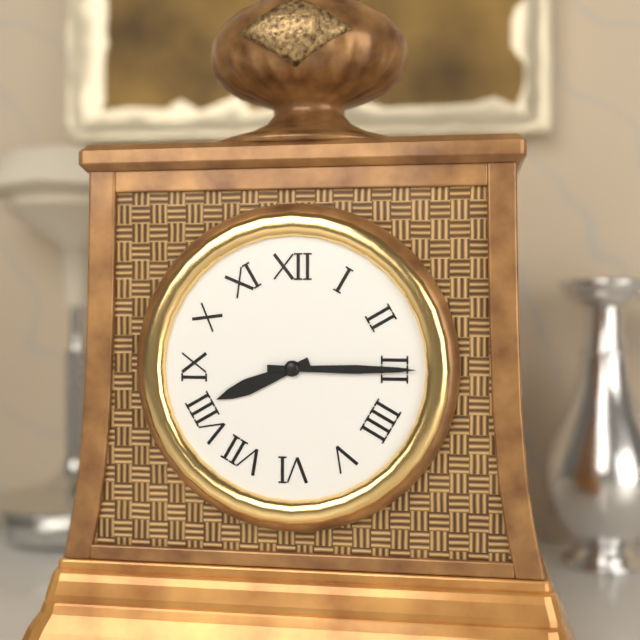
h=8 m=15
